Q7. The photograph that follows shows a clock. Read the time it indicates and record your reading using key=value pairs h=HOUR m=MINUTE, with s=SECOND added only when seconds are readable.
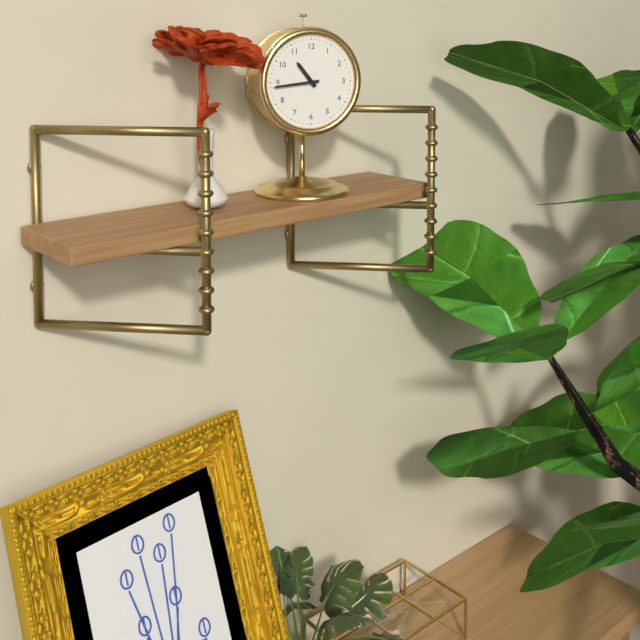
h=10 m=44
